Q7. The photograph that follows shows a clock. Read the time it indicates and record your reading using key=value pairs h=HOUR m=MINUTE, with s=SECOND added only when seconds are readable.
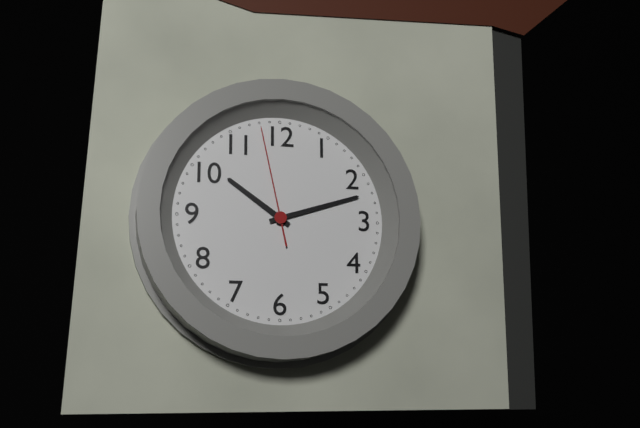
h=10 m=12 s=58
